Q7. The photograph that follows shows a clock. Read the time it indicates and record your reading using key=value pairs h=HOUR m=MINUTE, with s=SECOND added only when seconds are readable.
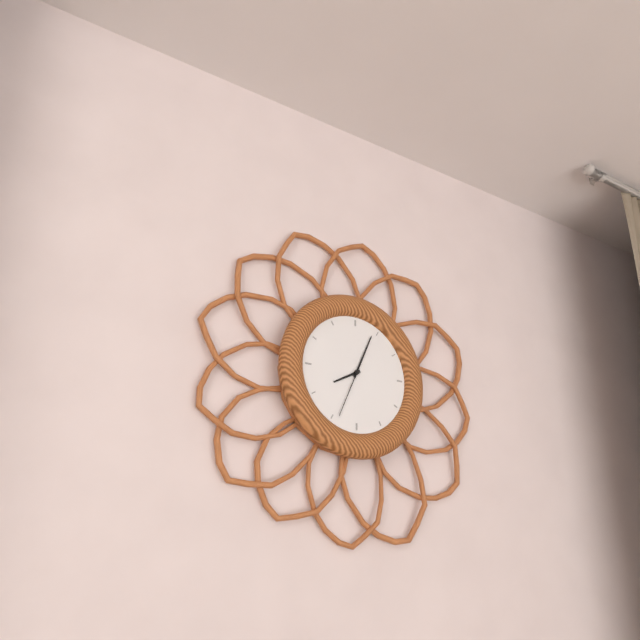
h=8 m=4
